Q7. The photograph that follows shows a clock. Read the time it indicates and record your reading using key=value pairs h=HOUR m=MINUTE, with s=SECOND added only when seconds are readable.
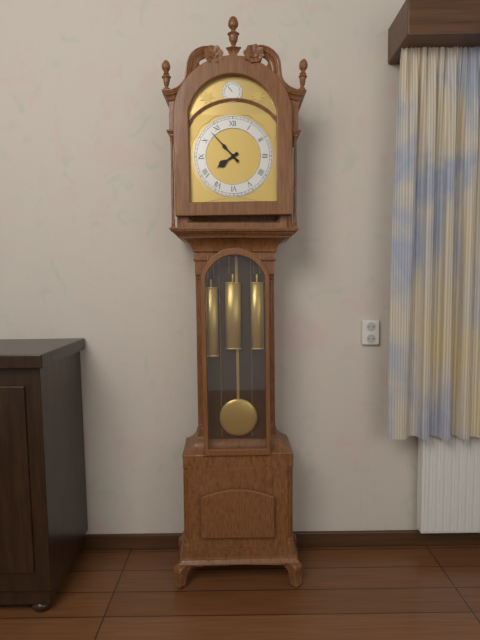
h=7 m=53
